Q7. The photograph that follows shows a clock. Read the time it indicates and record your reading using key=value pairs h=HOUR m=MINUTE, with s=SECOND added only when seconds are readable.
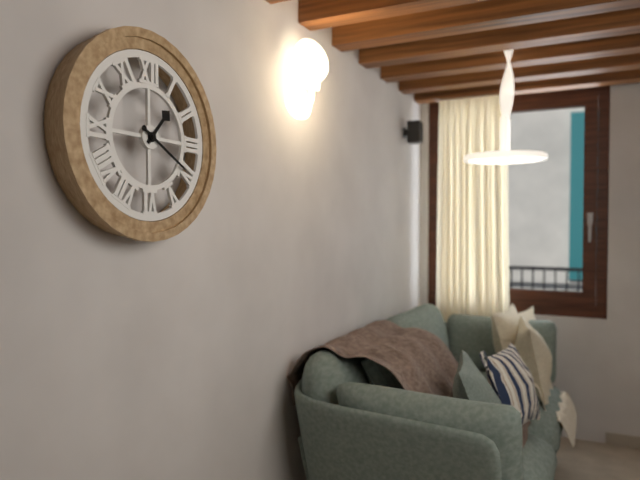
h=1 m=20
